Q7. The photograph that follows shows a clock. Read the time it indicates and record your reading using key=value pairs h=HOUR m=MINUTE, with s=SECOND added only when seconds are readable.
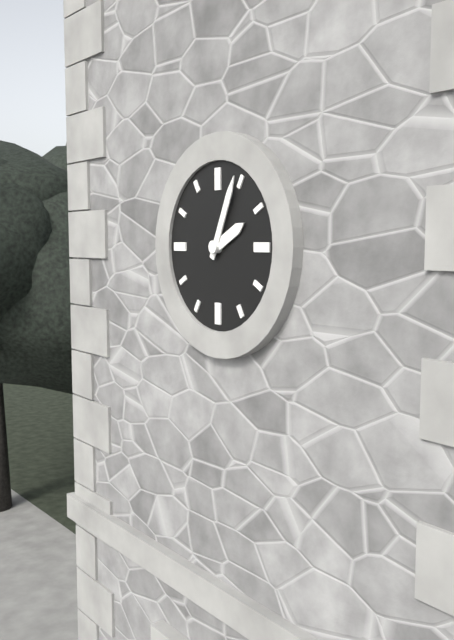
h=2 m=4
